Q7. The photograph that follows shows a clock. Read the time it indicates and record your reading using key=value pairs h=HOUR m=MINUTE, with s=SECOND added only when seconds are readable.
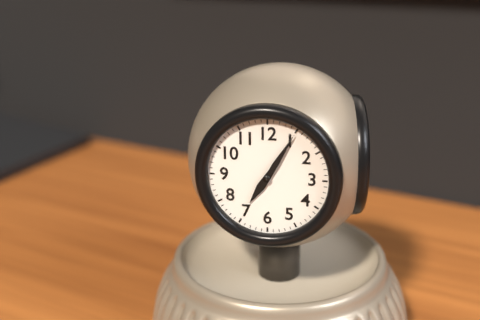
h=7 m=5
